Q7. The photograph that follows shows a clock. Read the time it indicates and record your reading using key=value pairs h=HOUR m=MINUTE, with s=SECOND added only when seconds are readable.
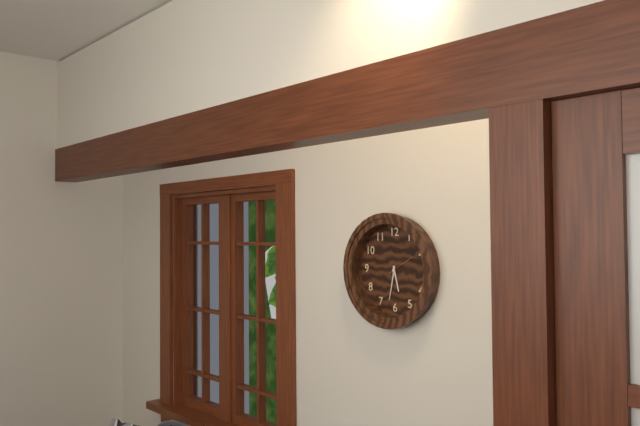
h=5 m=32
